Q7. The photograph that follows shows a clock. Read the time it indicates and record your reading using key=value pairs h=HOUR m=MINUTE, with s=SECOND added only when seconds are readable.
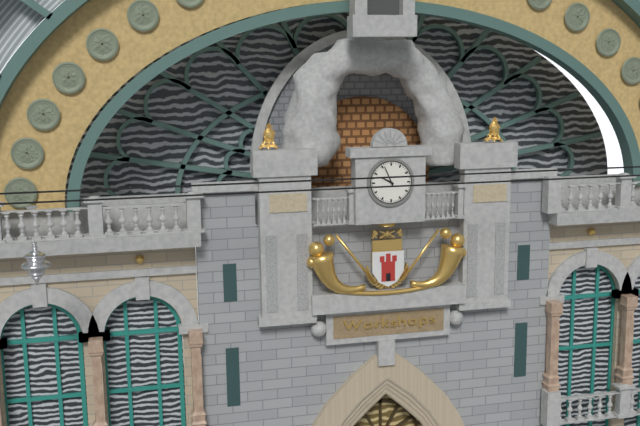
h=9 m=56
